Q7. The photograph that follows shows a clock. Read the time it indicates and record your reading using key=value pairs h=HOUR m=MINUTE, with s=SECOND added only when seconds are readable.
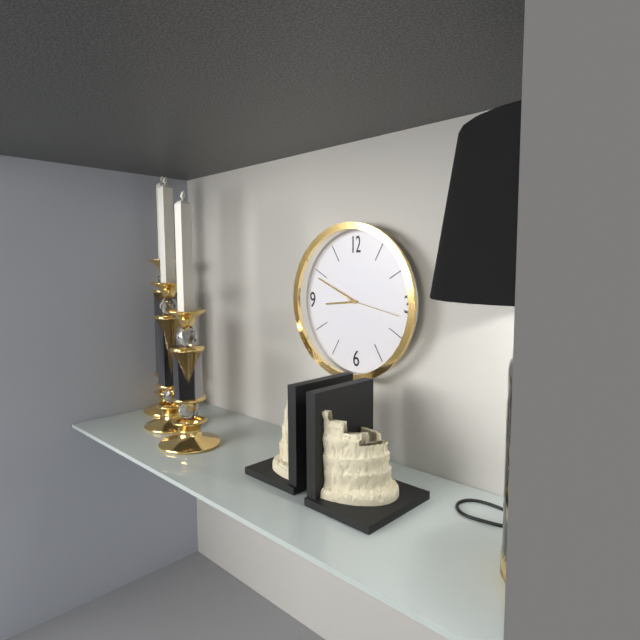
h=8 m=49 s=17
